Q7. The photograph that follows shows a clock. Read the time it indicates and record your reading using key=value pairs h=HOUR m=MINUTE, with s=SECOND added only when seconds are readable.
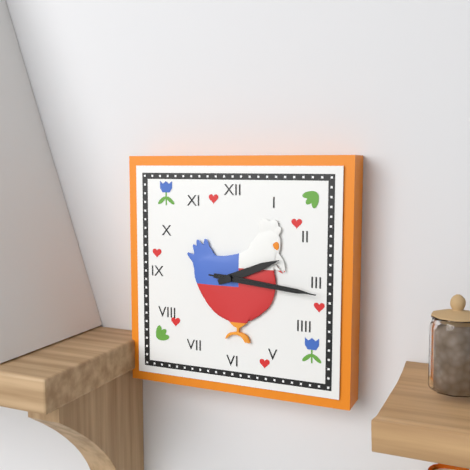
h=2 m=16 s=16
